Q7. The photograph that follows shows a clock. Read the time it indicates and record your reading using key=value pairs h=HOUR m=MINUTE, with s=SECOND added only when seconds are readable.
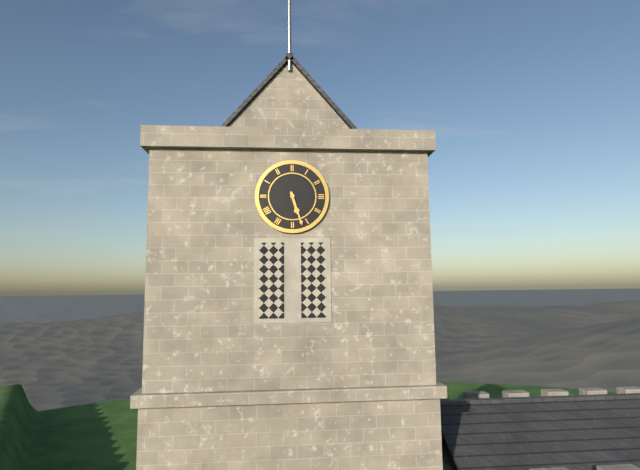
h=5 m=27
